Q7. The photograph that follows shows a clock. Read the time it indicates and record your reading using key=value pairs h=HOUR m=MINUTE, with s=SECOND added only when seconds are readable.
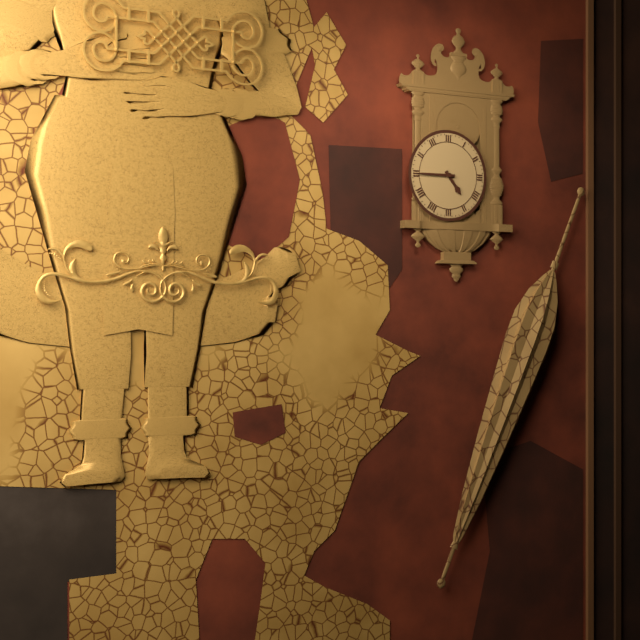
h=4 m=45
